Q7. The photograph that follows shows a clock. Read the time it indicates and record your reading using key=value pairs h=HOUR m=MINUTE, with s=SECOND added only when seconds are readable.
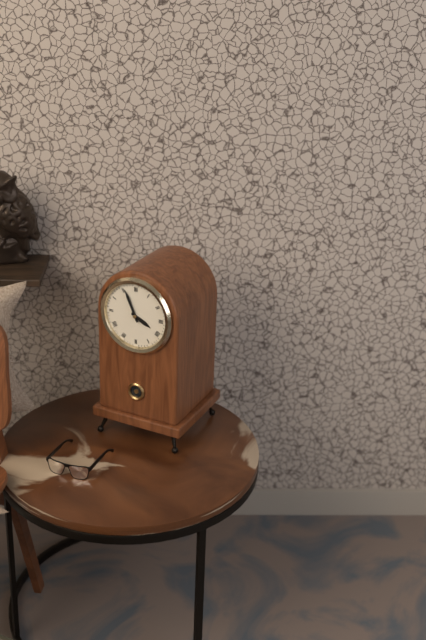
h=3 m=56
